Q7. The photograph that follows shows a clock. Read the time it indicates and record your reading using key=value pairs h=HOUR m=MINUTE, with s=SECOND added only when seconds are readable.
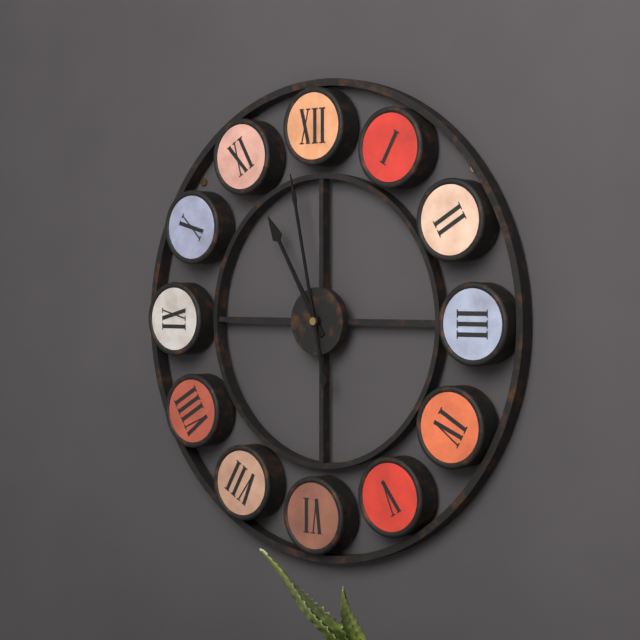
h=10 m=58
